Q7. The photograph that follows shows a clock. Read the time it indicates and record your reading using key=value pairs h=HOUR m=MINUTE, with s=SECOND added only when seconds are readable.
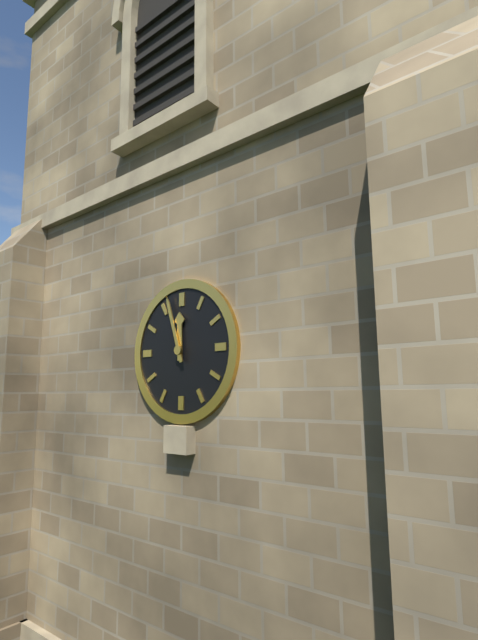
h=11 m=57
